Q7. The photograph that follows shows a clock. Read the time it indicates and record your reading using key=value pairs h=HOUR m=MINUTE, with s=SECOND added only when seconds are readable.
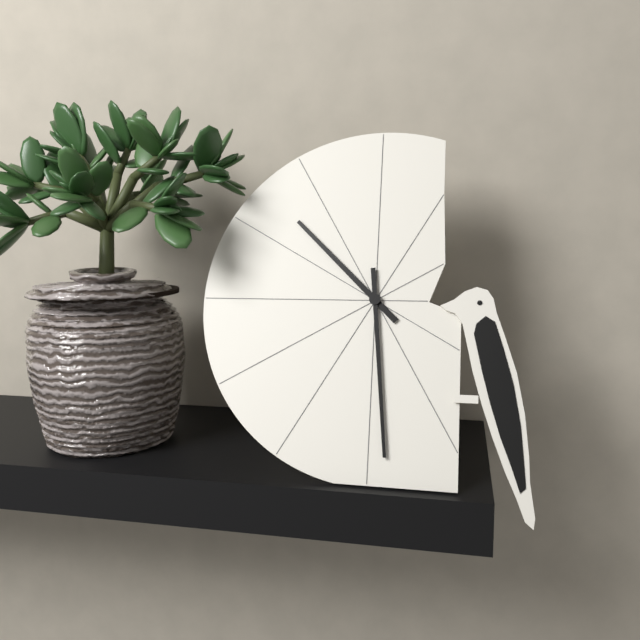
h=10 m=29
